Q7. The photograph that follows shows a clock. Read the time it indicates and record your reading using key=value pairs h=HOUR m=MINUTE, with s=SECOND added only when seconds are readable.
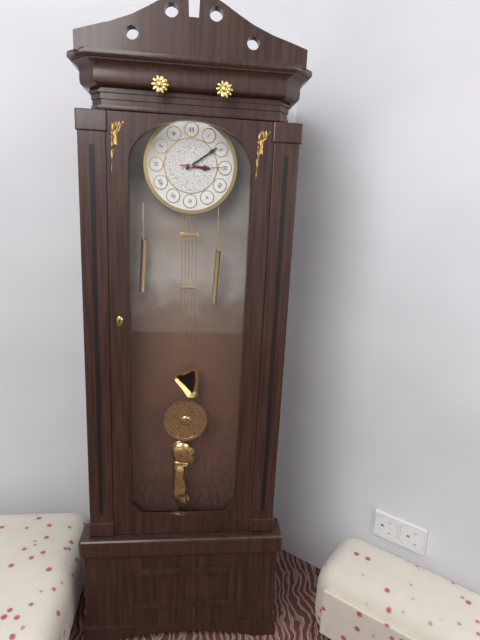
h=3 m=9
